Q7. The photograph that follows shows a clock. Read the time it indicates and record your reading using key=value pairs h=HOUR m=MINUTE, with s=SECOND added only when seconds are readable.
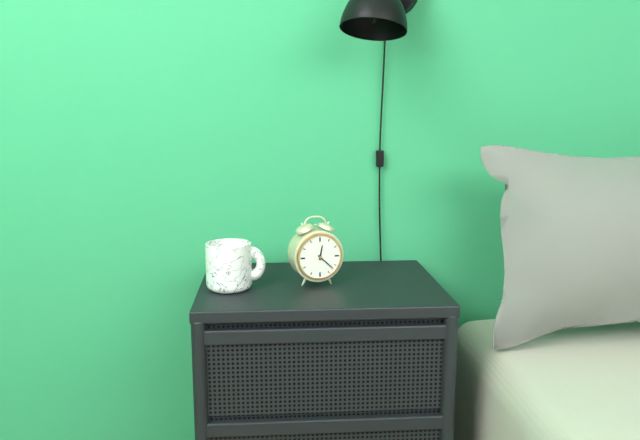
h=12 m=22
